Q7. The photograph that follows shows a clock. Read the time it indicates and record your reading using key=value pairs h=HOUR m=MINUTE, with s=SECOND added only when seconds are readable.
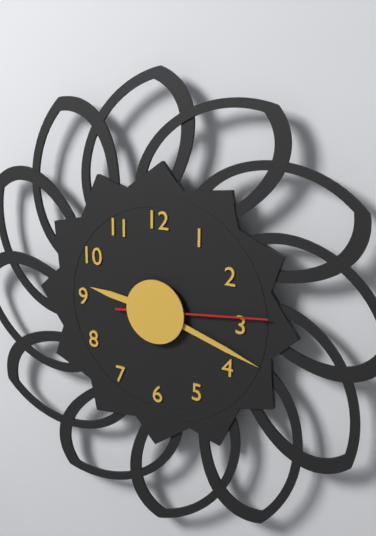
h=9 m=18 s=14
